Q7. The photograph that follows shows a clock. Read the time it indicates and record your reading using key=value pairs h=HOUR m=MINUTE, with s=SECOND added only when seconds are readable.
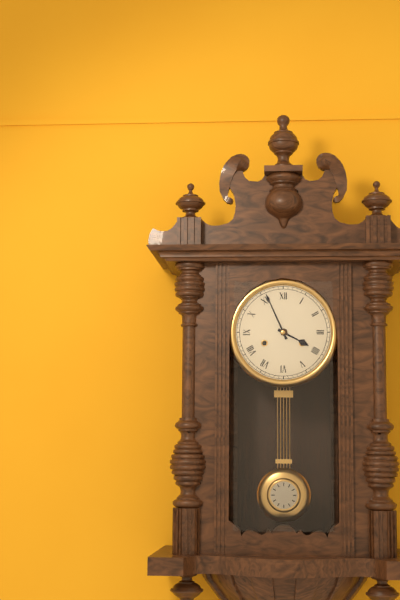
h=3 m=56
